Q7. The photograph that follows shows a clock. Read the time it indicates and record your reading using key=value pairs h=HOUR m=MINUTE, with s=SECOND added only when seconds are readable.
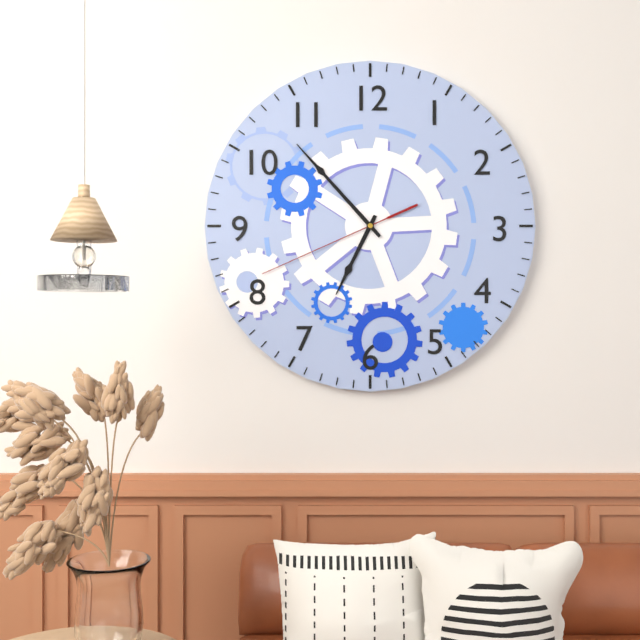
h=6 m=53 s=41
